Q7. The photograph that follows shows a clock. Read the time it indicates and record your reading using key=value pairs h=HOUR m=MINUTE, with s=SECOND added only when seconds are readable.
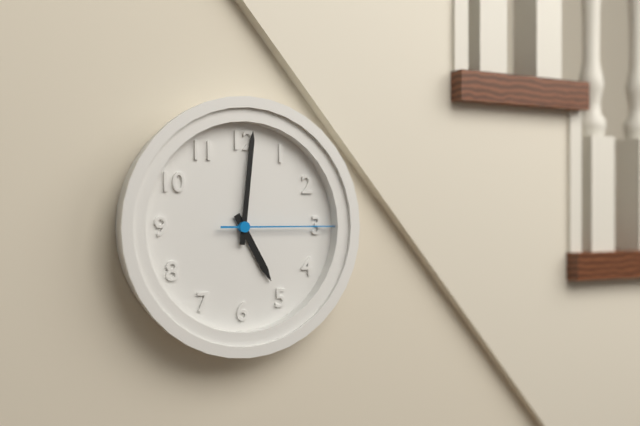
h=5 m=1 s=15
